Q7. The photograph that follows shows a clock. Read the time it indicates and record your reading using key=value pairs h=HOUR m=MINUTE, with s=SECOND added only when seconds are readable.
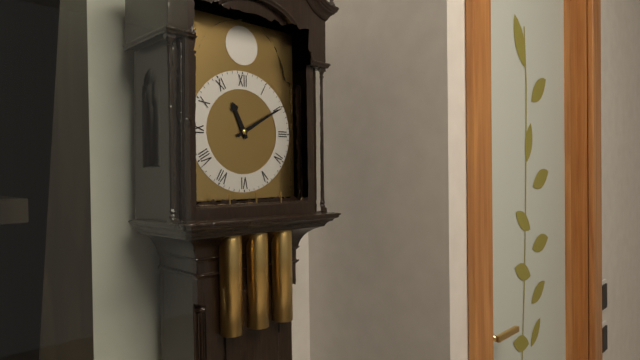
h=11 m=10
